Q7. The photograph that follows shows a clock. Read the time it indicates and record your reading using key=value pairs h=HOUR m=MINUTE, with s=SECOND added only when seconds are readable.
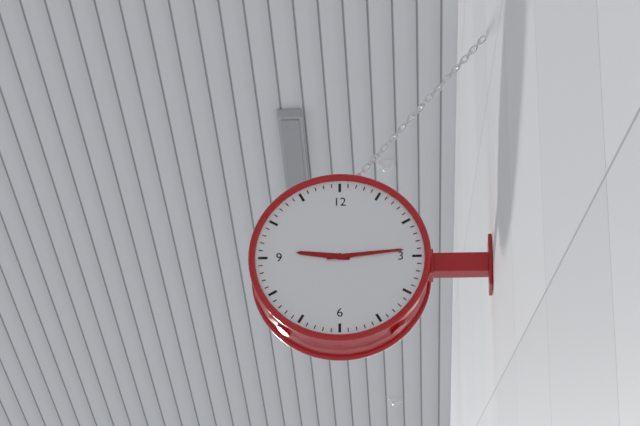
h=9 m=14
